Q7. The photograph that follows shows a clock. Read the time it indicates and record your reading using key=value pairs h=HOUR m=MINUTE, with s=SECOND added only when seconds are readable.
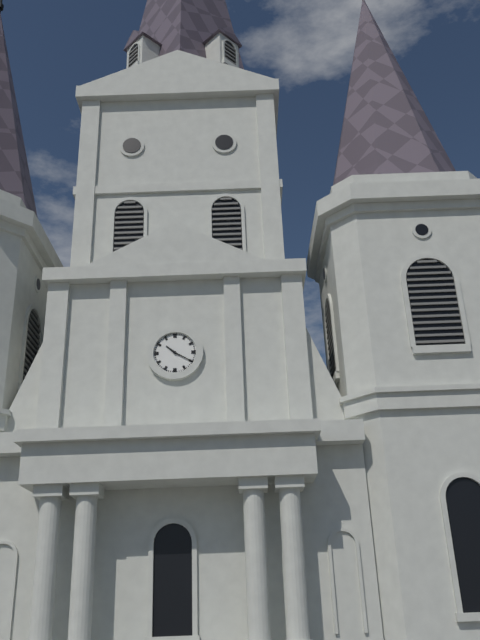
h=10 m=20
